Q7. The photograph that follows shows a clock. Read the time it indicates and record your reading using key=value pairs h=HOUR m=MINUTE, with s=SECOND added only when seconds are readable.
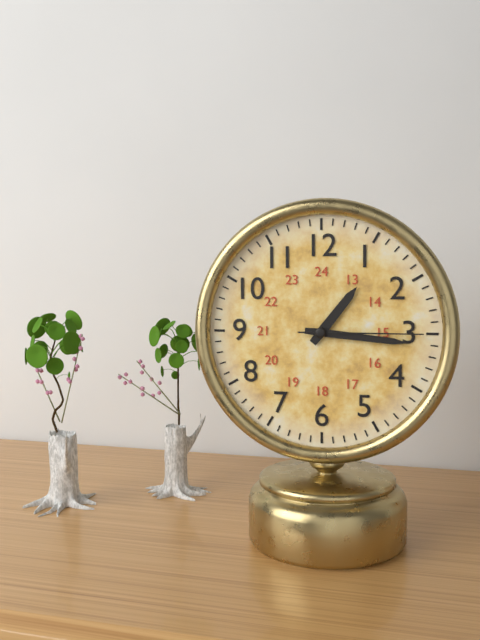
h=1 m=16 s=15
